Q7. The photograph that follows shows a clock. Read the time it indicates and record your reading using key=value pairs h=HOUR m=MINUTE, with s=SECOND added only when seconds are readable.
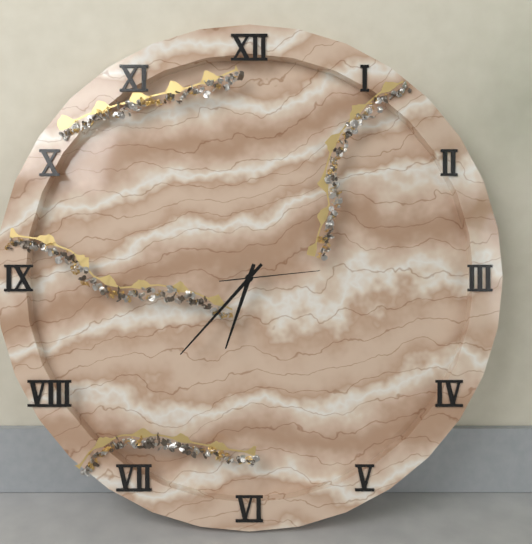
h=6 m=37 s=14
